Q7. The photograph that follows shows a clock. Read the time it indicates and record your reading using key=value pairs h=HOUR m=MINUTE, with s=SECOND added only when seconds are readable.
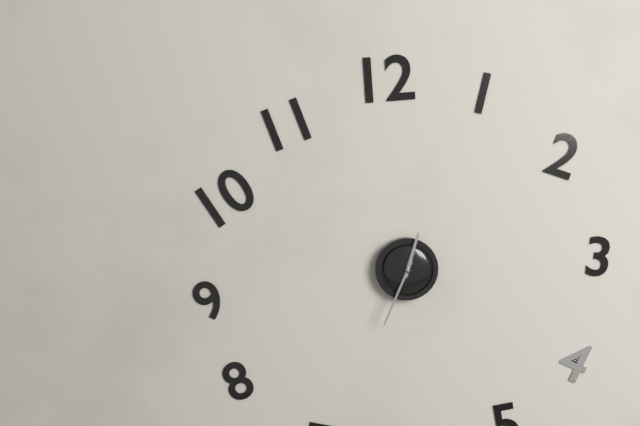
h=12 m=34
